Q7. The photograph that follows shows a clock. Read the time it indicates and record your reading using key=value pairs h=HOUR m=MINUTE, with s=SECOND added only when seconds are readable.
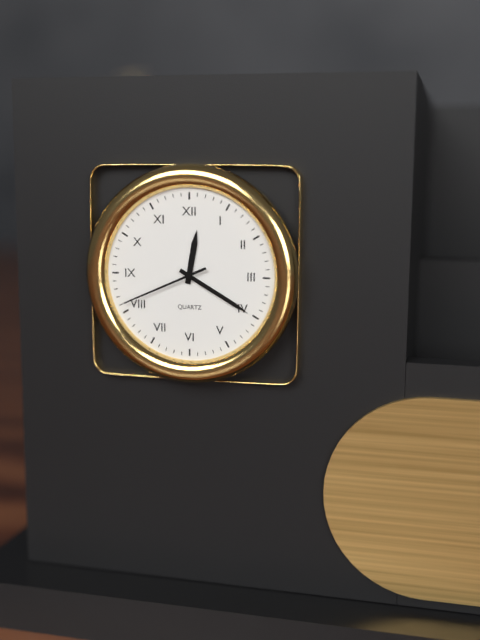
h=12 m=20 s=41
